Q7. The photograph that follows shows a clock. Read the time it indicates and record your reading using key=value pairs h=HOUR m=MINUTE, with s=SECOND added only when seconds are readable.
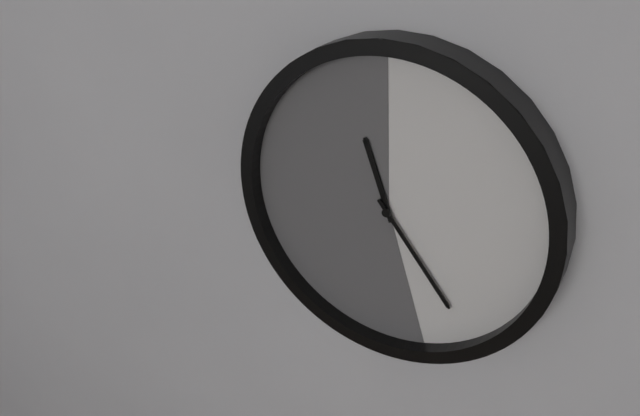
h=11 m=24
